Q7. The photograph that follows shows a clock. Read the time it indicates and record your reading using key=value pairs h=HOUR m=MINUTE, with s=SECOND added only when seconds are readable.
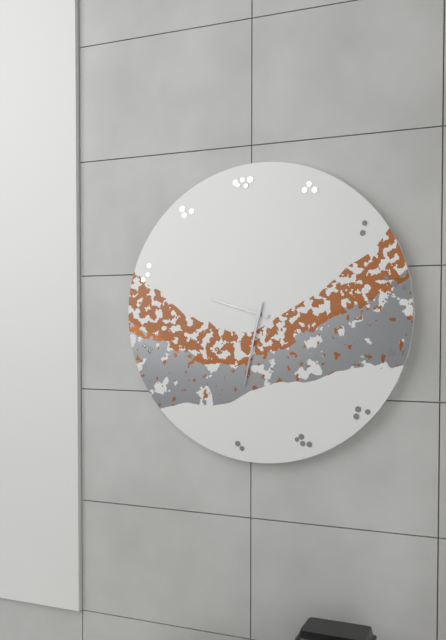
h=9 m=32
